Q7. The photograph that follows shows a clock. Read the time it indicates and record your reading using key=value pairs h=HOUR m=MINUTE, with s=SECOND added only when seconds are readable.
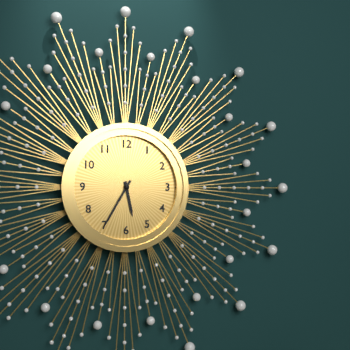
h=5 m=35
